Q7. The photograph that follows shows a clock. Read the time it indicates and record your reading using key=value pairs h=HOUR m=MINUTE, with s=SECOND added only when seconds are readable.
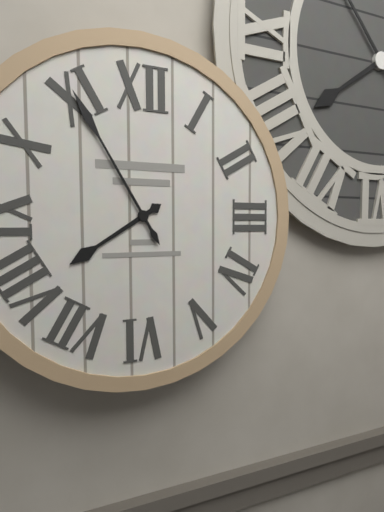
h=7 m=55
